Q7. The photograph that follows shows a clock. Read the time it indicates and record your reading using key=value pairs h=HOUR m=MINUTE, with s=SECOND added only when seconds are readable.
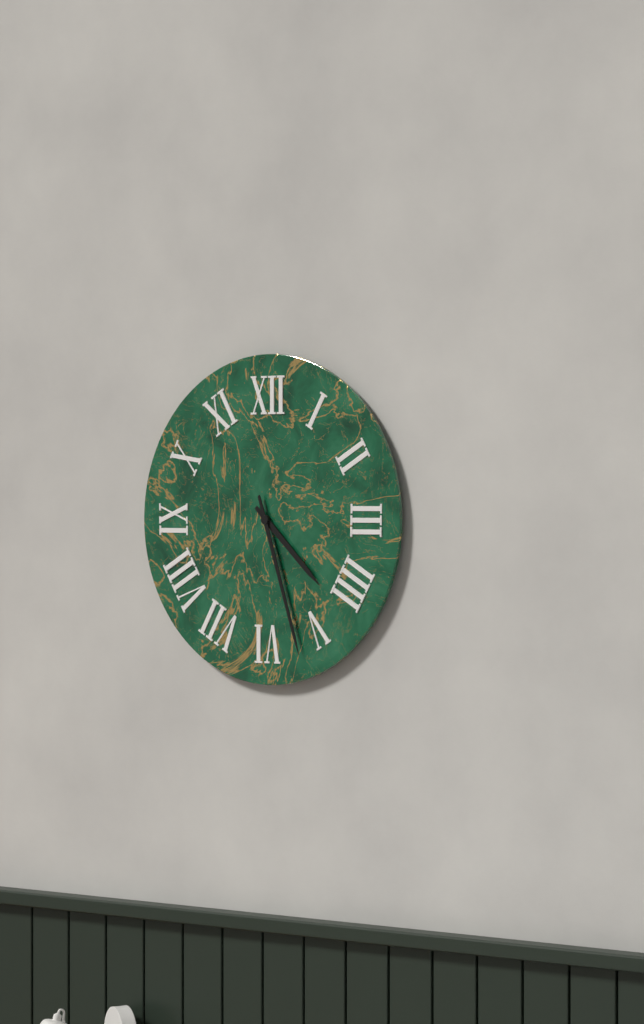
h=4 m=27
